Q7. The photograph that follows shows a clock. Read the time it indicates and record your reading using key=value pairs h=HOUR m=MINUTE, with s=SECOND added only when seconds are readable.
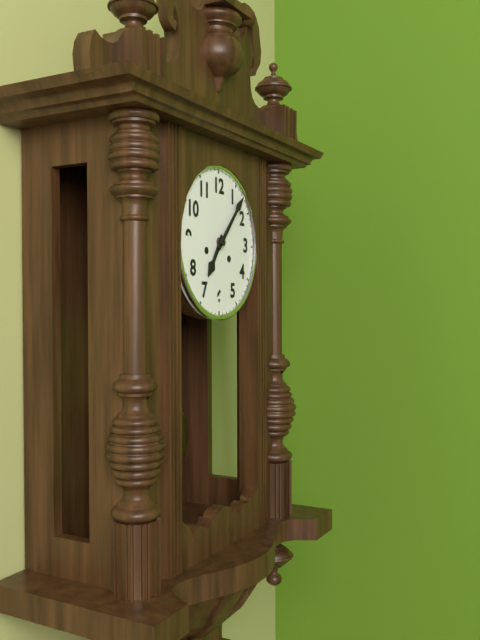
h=7 m=7
